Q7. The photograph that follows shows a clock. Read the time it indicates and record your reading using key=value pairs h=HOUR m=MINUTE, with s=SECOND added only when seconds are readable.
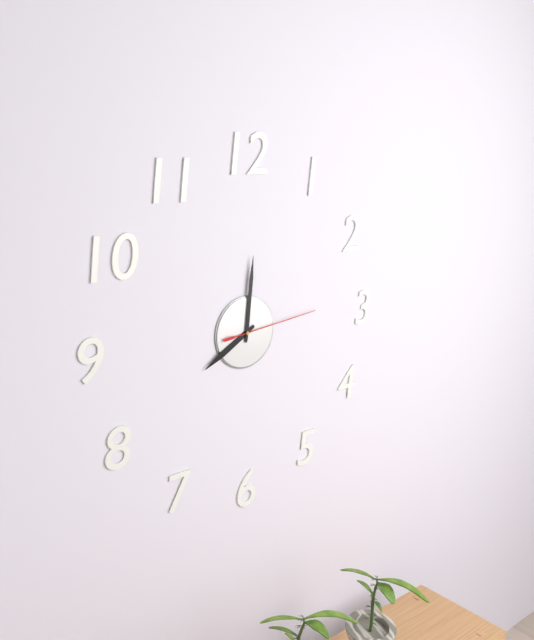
h=8 m=1 s=14
